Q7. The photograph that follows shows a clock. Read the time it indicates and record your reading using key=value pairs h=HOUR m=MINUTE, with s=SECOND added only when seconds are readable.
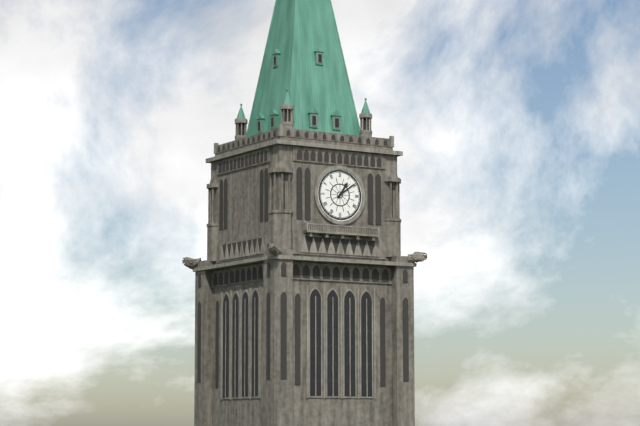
h=1 m=9
